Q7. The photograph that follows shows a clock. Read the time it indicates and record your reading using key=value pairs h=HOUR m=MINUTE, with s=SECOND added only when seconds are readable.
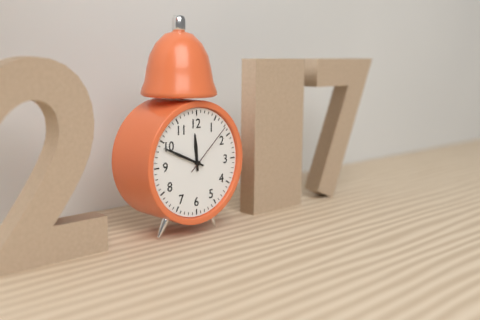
h=11 m=49 s=8
